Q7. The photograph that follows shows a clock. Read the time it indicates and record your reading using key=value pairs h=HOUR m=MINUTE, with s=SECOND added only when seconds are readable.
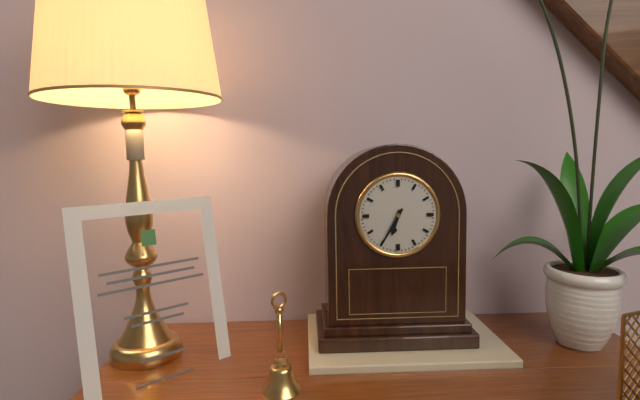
h=6 m=35
